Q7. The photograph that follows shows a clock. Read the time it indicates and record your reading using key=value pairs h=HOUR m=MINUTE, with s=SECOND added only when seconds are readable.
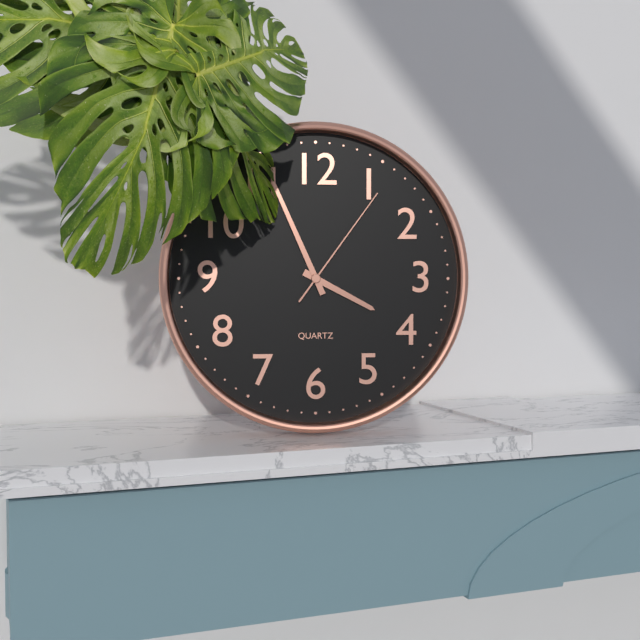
h=3 m=56 s=6
